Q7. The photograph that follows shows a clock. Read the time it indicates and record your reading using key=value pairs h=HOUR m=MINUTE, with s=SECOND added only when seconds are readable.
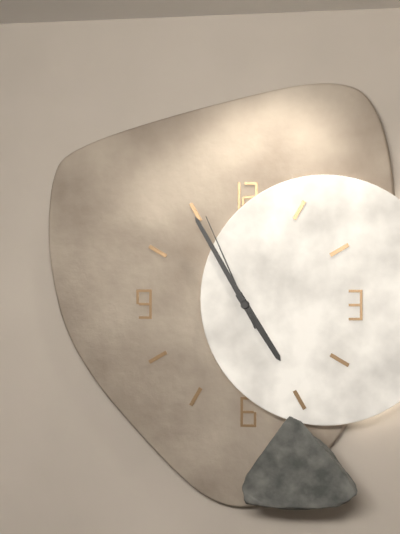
h=4 m=55 s=56
